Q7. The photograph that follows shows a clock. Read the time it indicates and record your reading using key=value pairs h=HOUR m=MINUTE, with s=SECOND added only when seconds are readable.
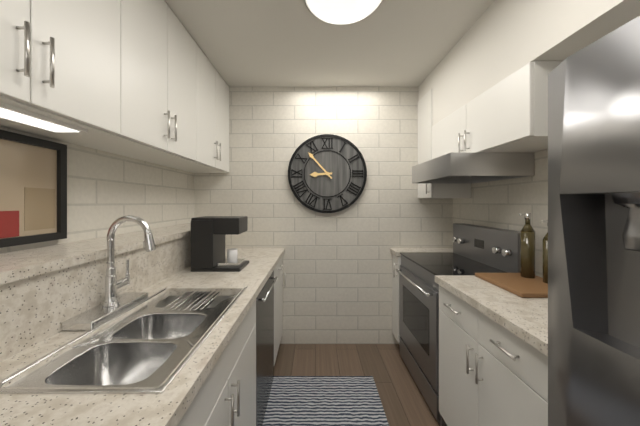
h=8 m=53
